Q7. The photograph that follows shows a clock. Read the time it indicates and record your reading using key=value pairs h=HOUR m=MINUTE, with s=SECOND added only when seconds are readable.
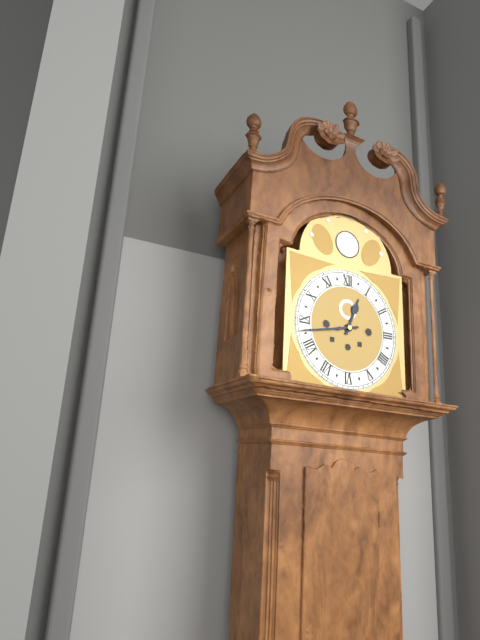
h=12 m=43
